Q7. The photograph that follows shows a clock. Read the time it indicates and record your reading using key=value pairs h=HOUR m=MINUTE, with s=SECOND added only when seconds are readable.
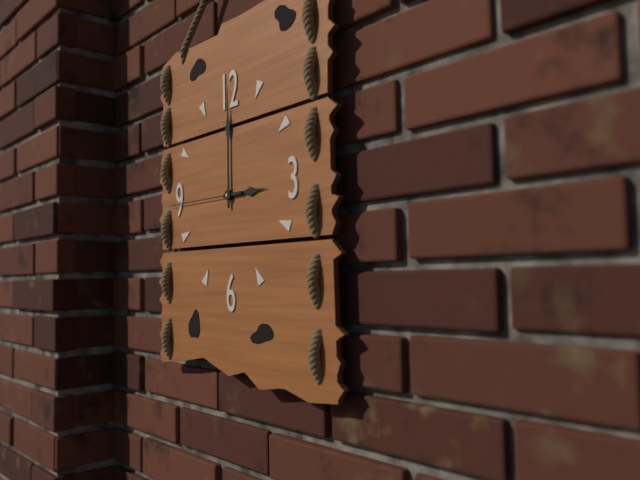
h=3 m=0 s=45
